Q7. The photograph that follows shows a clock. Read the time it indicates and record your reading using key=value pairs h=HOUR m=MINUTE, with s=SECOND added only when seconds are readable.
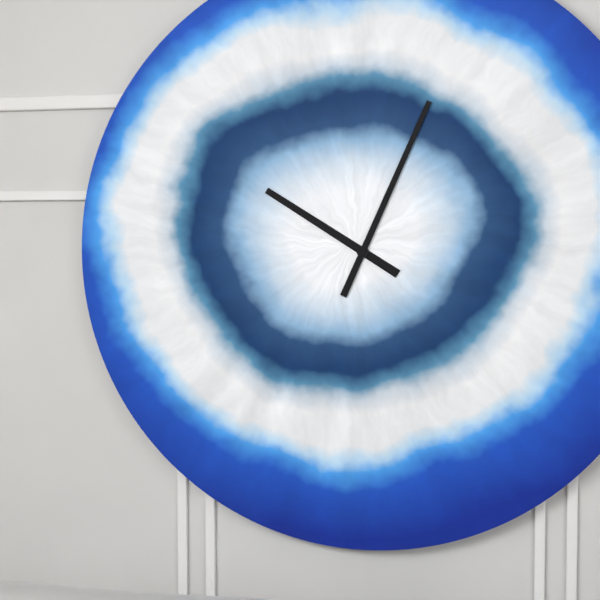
h=10 m=4
